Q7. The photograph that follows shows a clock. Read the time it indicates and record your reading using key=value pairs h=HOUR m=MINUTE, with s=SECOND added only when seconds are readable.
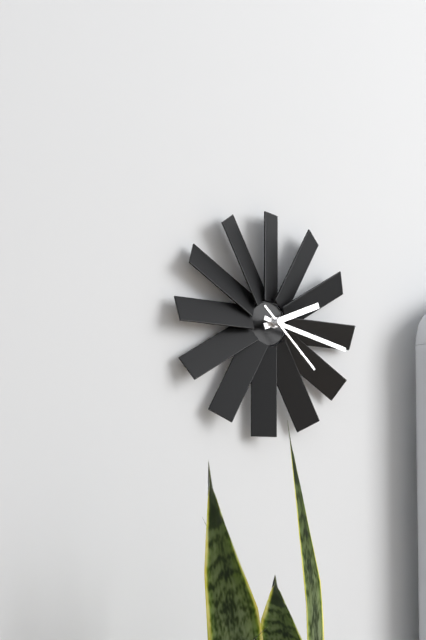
h=2 m=17 s=22
